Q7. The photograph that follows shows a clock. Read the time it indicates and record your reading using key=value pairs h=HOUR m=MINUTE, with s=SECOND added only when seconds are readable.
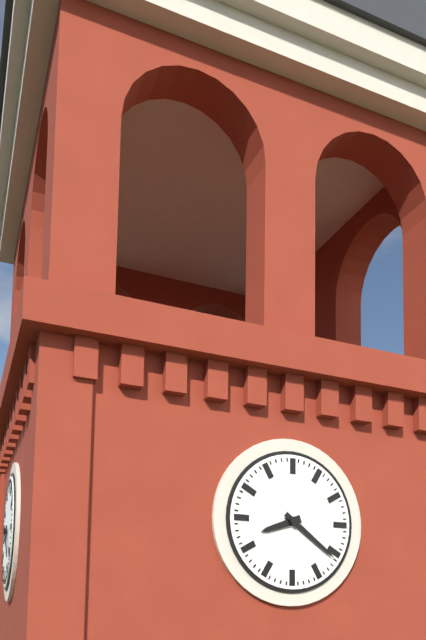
h=8 m=21
